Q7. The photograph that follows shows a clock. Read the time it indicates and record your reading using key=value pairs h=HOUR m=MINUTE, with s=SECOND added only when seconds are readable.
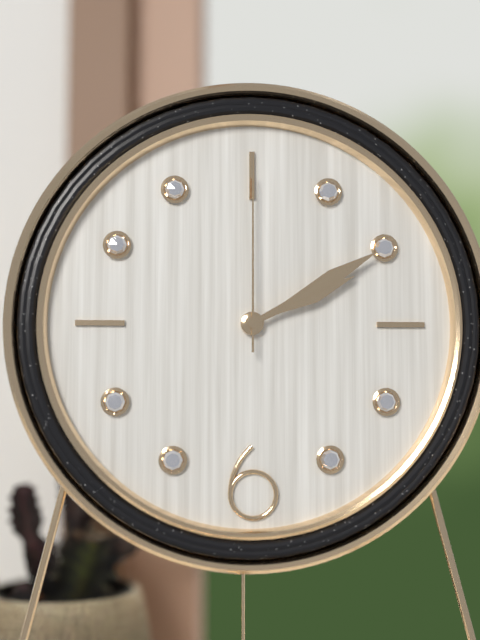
h=2 m=10 s=0
